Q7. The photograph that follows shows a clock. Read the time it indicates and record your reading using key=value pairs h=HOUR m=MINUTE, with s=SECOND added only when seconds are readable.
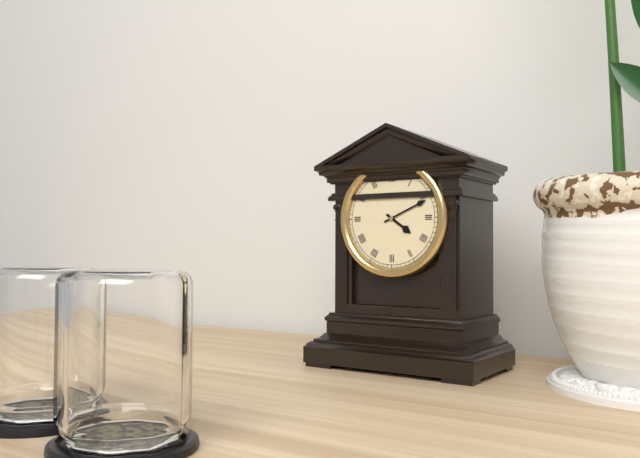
h=4 m=11
